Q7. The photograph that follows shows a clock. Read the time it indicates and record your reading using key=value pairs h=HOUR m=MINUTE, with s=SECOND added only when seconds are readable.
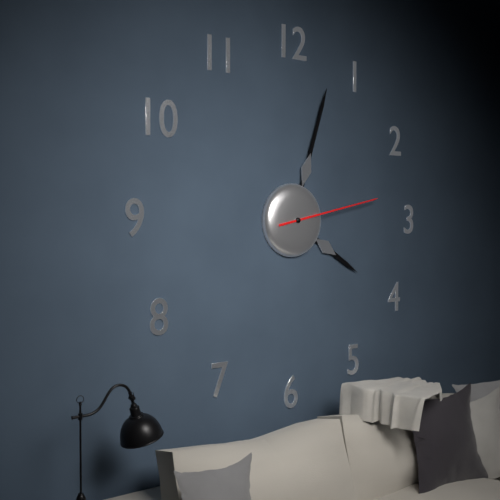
h=4 m=3 s=13
